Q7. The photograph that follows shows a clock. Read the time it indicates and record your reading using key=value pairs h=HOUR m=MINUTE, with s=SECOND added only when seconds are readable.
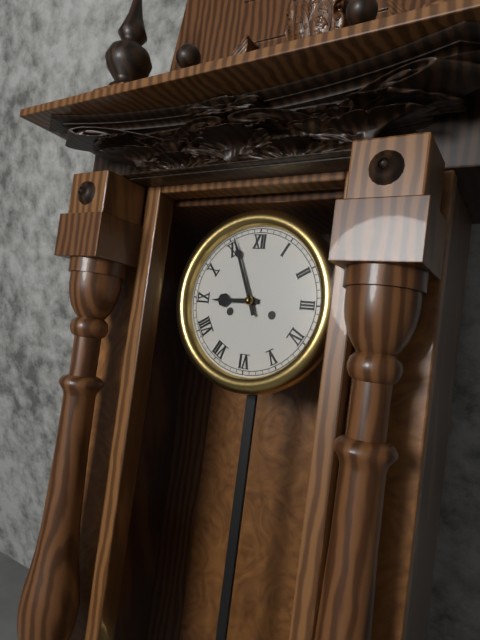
h=8 m=56
